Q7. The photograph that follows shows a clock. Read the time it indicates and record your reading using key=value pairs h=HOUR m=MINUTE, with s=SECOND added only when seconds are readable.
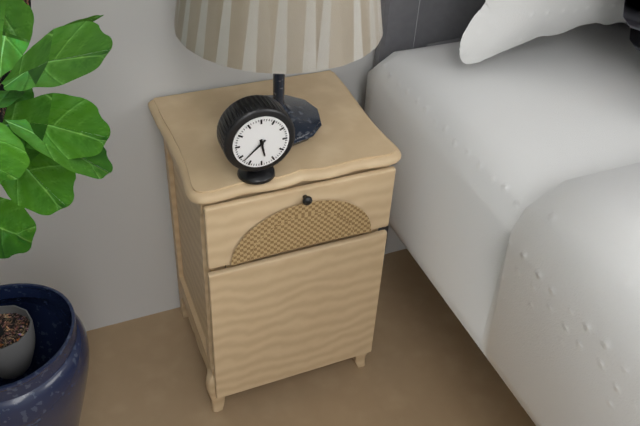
h=5 m=38
